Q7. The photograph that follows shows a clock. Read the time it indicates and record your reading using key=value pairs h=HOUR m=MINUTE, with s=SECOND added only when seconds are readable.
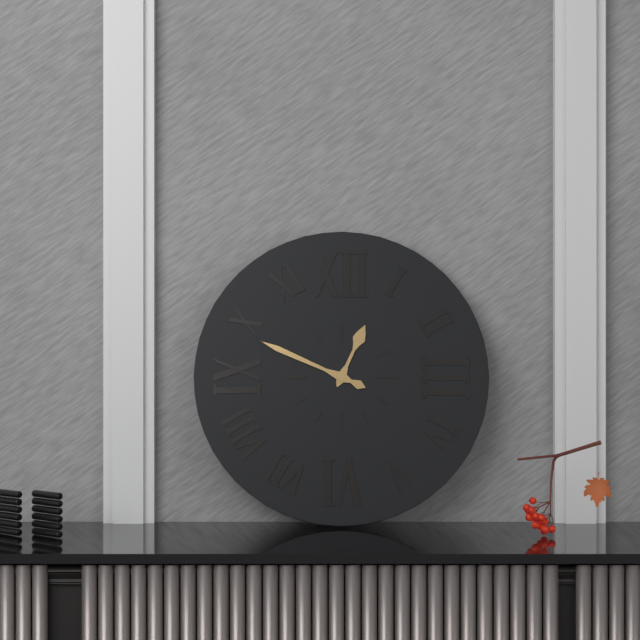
h=12 m=49
